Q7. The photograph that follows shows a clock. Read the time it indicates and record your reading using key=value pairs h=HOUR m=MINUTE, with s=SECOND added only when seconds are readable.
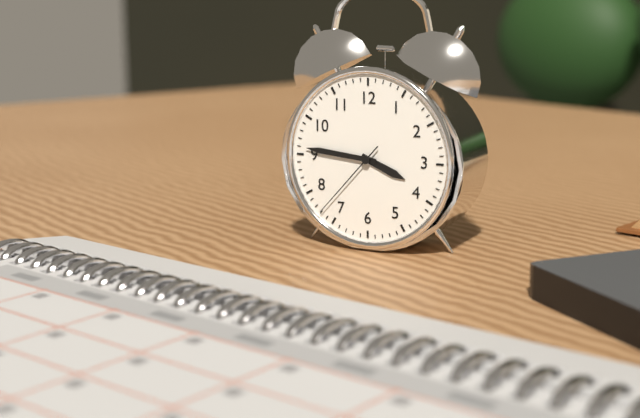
h=3 m=46 s=37
